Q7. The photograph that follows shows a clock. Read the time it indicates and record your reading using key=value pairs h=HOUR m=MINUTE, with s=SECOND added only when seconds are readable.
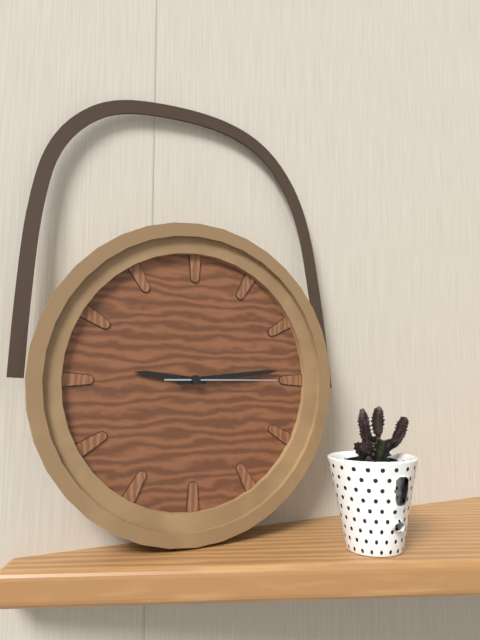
h=9 m=14 s=15
